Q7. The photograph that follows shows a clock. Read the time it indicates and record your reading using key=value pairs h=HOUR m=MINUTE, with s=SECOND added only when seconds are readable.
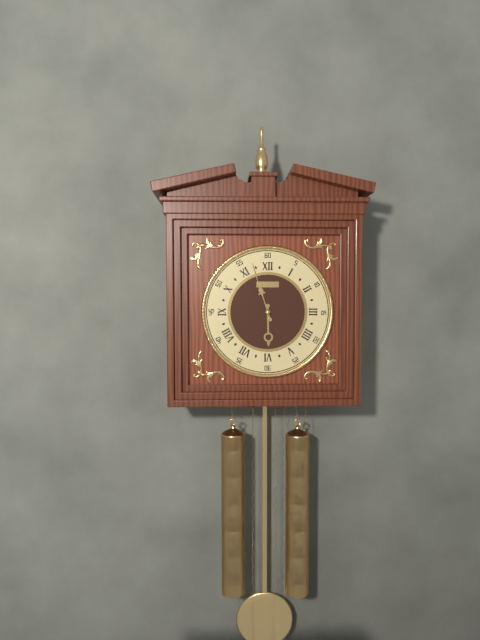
h=5 m=57
